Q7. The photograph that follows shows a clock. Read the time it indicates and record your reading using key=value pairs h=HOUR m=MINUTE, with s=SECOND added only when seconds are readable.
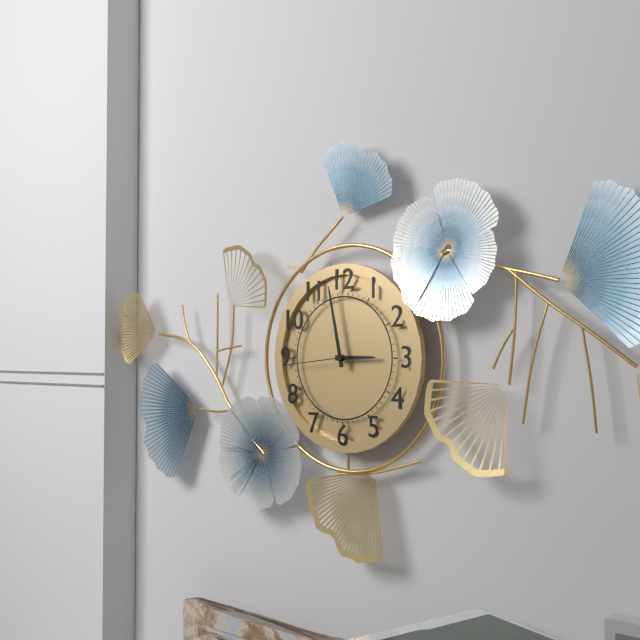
h=2 m=58 s=44
